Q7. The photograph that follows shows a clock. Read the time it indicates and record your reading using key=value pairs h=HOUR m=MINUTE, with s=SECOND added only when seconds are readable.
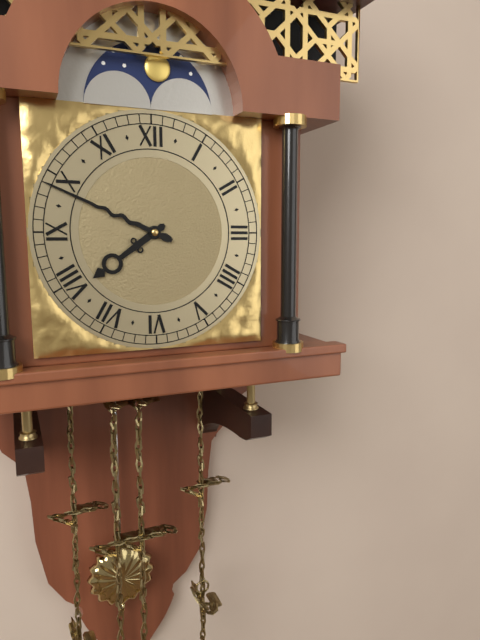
h=7 m=49
